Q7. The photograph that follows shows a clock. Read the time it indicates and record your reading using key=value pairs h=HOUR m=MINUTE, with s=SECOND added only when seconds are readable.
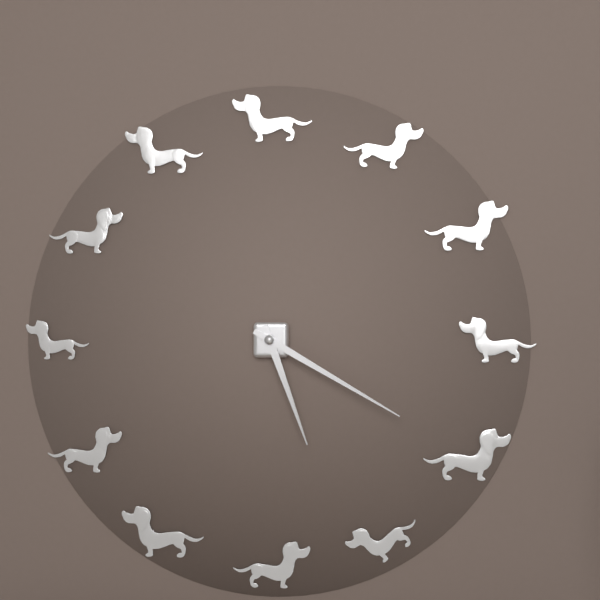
h=5 m=20
